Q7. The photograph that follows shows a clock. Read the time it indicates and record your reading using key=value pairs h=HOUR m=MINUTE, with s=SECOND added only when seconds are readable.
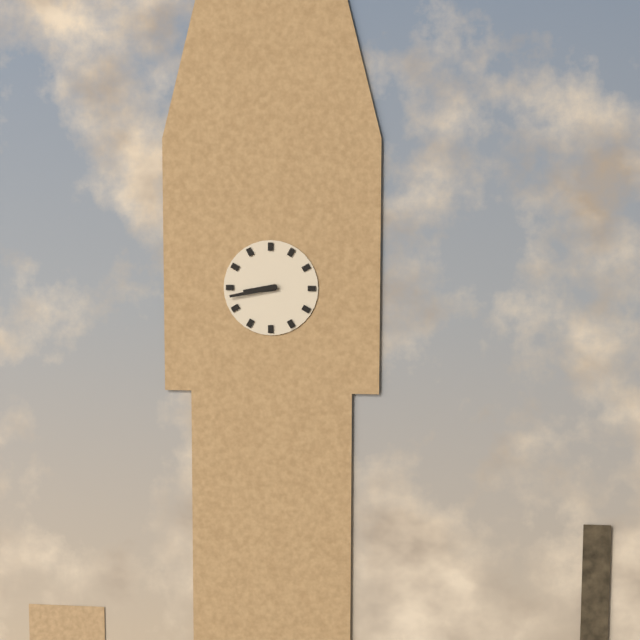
h=8 m=43
